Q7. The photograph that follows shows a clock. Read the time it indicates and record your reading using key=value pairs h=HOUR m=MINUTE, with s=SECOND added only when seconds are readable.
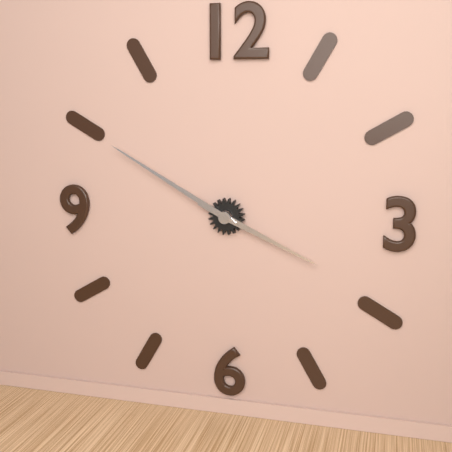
h=3 m=50
